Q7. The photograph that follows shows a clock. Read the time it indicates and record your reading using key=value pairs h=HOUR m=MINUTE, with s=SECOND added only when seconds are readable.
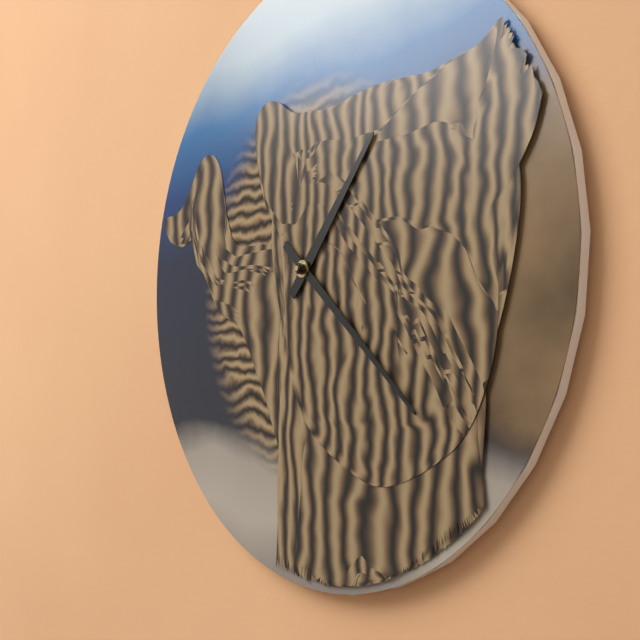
h=1 m=22
